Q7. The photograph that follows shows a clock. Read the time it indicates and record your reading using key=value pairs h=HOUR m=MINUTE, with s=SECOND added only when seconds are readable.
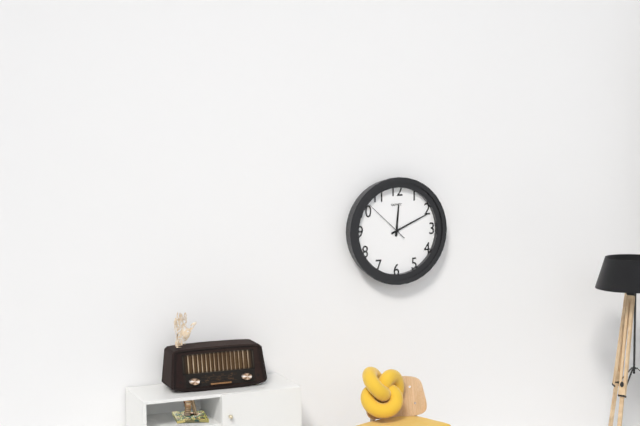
h=12 m=11
